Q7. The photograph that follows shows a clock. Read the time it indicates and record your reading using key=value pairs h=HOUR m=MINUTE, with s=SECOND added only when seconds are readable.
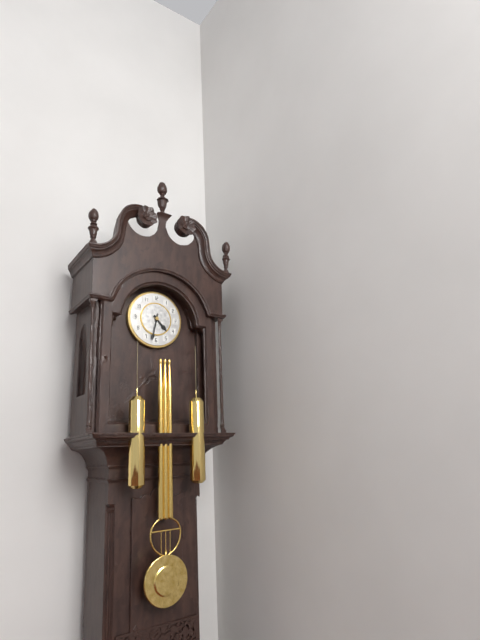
h=4 m=32
